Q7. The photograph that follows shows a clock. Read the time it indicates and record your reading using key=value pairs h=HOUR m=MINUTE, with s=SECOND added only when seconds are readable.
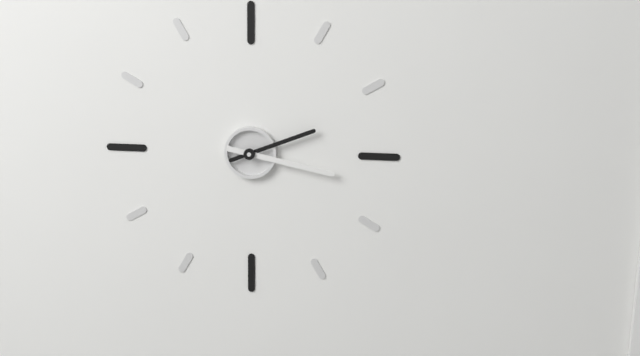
h=2 m=17
